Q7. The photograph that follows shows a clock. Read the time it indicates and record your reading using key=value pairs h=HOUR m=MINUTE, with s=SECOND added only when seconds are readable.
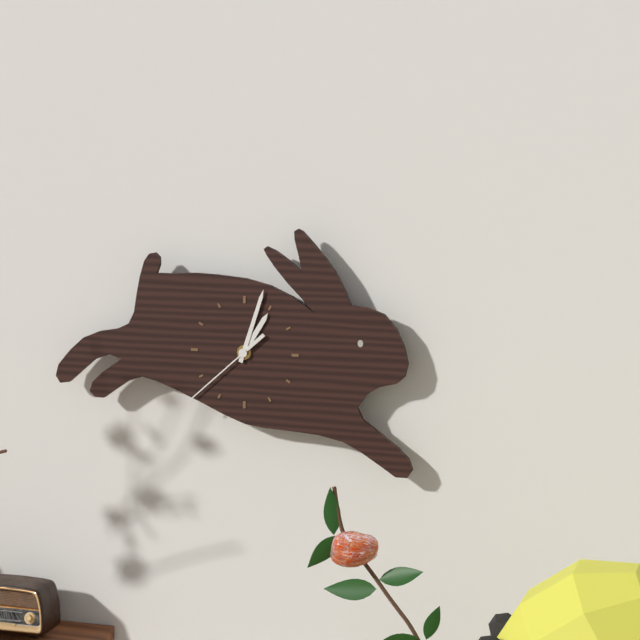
h=1 m=3 s=38
